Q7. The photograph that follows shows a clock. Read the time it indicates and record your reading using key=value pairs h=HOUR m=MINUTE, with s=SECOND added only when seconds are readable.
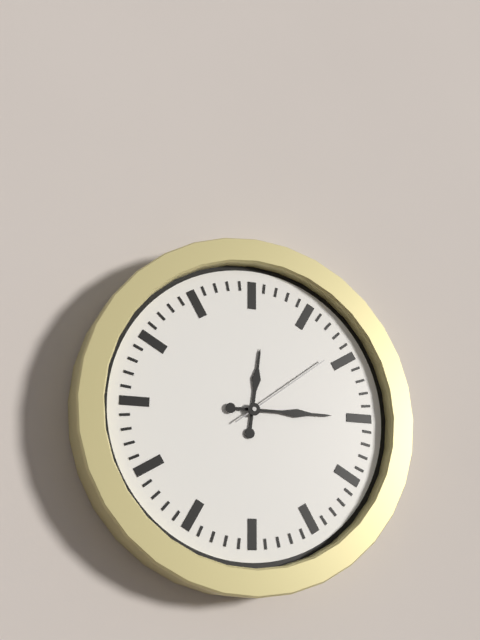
h=12 m=15 s=9
